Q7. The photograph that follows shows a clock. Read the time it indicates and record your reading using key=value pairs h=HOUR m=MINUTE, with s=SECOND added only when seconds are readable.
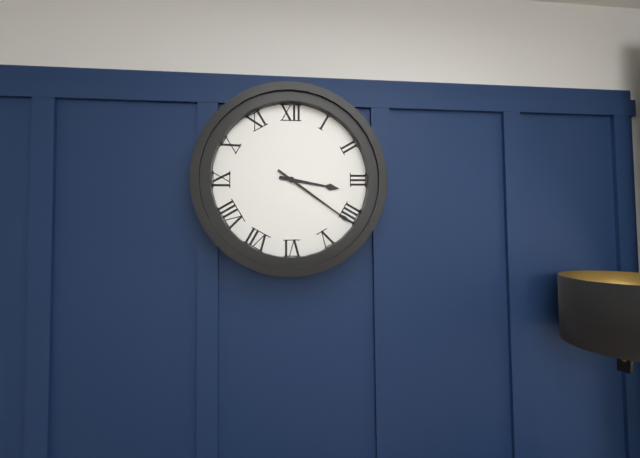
h=3 m=21
